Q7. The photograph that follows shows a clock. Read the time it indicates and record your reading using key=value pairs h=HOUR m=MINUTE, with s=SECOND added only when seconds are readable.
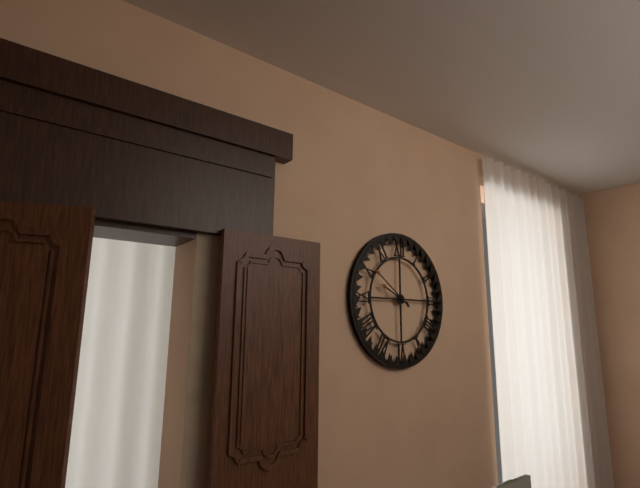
h=9 m=51
